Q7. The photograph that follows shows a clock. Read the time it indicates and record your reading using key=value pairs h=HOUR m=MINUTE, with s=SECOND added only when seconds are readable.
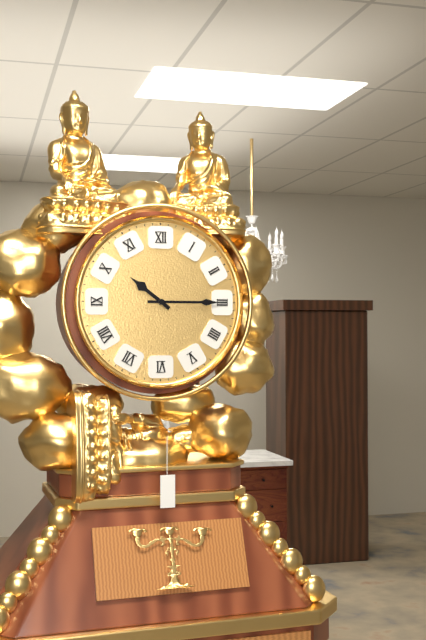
h=10 m=15
